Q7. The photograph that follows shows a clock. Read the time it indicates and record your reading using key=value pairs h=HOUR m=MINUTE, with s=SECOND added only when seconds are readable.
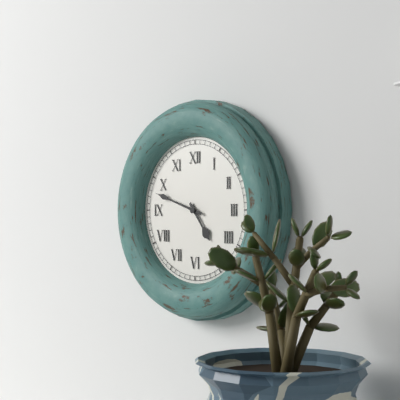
h=4 m=48
